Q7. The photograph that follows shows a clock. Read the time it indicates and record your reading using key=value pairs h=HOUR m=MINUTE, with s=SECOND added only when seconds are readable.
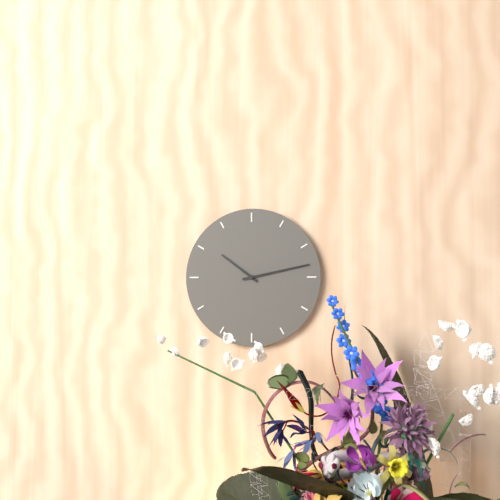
h=10 m=13
